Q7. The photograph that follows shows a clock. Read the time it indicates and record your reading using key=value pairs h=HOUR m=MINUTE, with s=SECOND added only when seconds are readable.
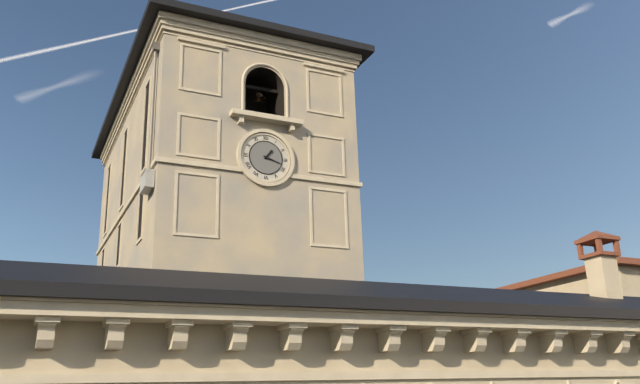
h=1 m=18
